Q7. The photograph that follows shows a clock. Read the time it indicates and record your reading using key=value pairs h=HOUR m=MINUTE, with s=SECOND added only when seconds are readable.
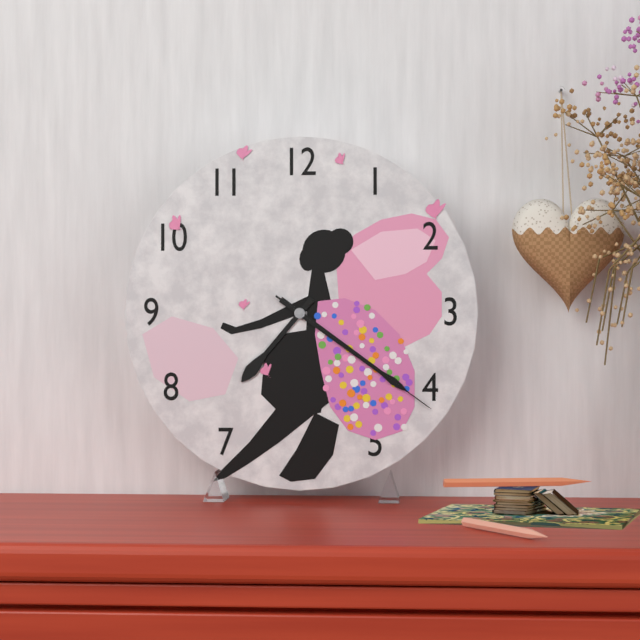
h=7 m=21 s=21
